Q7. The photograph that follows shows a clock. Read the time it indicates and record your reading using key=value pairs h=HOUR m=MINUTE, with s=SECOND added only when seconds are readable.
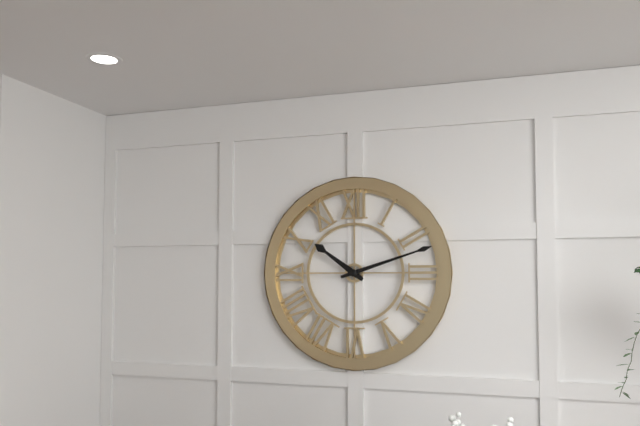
h=10 m=12
